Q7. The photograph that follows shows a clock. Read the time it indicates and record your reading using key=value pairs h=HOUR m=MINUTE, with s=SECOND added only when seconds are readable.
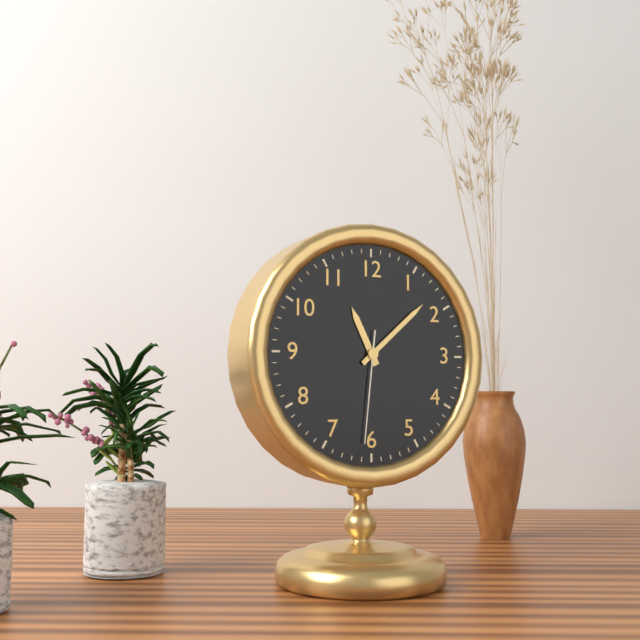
h=11 m=8 s=31
